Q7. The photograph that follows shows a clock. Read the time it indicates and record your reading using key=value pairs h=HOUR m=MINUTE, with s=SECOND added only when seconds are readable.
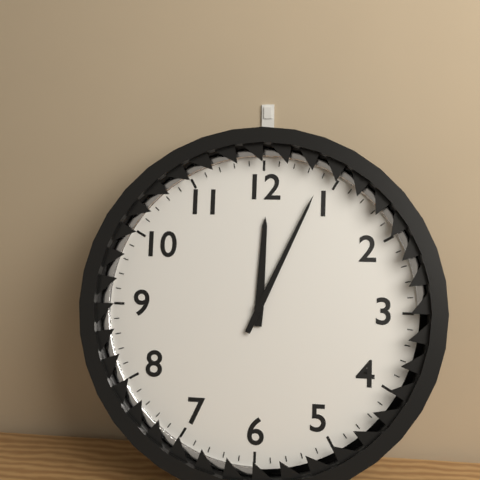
h=12 m=4
